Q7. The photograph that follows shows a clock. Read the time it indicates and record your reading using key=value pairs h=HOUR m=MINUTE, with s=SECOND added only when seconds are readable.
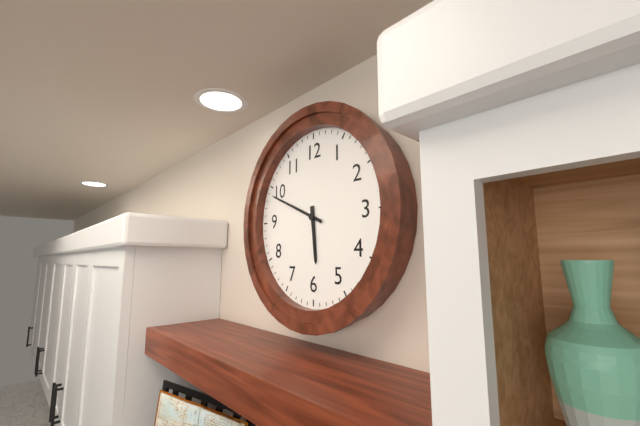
h=5 m=49
